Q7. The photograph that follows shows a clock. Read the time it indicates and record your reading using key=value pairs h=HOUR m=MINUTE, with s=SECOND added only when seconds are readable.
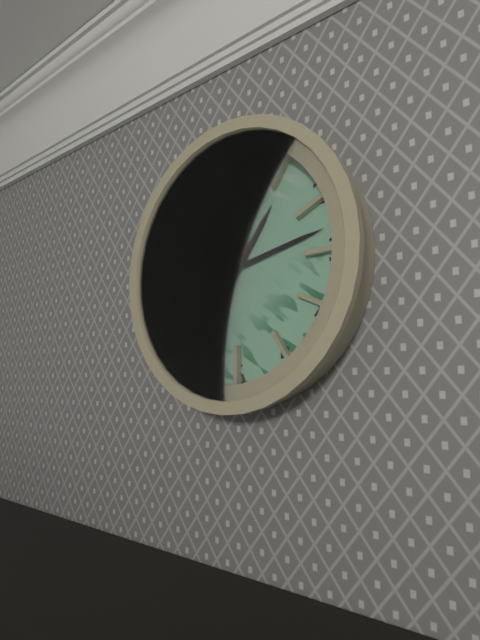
h=1 m=13 s=35
